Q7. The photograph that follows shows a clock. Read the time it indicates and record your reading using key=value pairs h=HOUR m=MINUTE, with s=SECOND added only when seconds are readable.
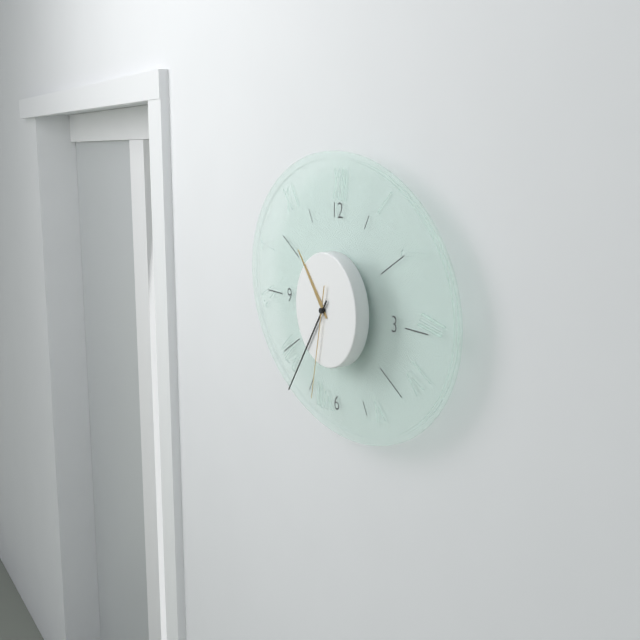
h=10 m=36 s=32
